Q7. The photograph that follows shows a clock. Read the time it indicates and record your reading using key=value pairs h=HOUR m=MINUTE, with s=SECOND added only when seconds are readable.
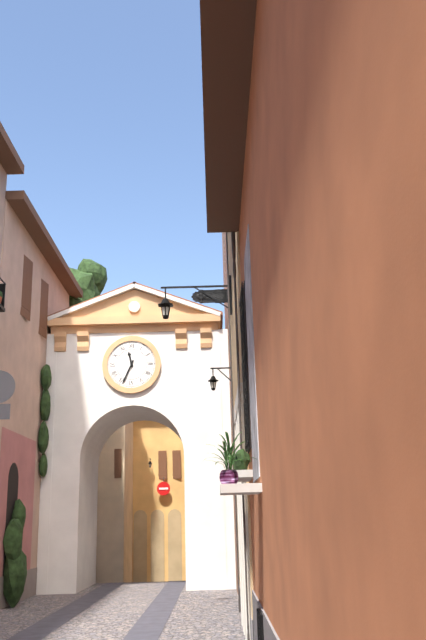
h=11 m=34
